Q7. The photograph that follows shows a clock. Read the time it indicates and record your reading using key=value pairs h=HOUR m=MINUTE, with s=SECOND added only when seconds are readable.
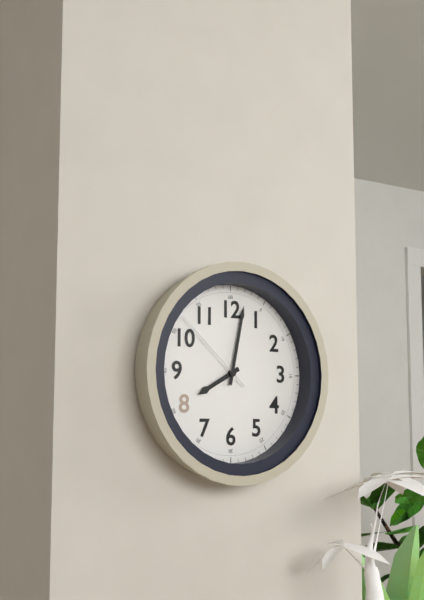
h=8 m=2 s=52
